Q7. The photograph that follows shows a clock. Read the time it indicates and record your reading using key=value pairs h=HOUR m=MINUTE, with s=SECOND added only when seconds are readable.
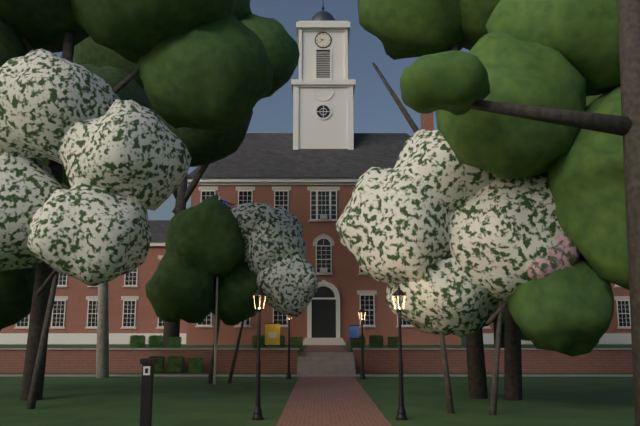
h=9 m=40
